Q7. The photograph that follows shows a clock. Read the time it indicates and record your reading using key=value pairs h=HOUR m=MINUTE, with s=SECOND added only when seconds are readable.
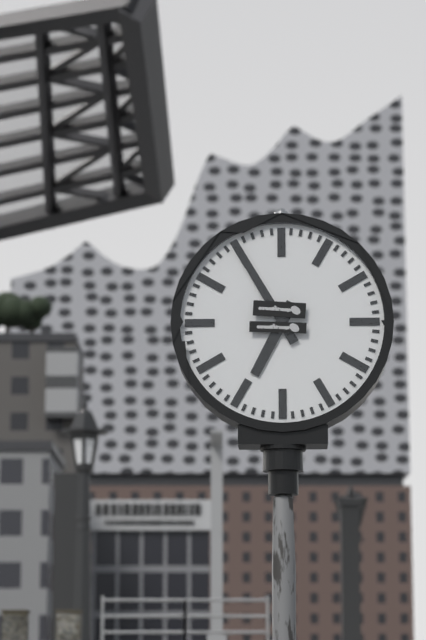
h=6 m=55
